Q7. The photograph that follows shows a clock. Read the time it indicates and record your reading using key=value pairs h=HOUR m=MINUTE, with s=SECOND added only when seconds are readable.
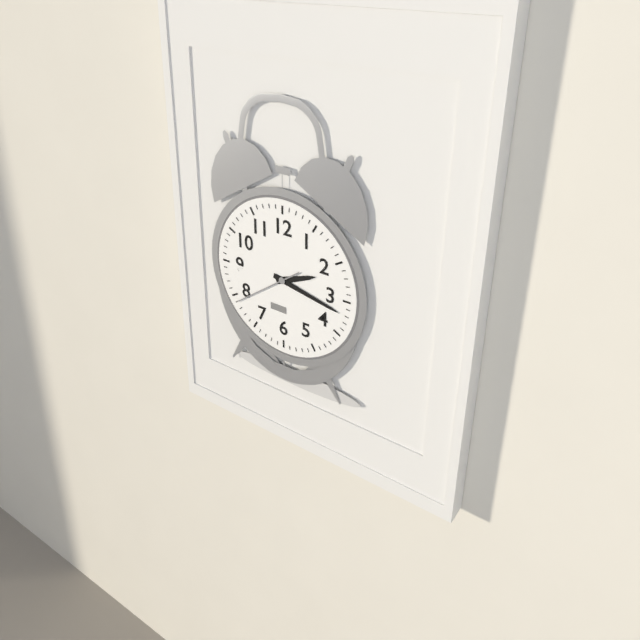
h=2 m=17 s=39
